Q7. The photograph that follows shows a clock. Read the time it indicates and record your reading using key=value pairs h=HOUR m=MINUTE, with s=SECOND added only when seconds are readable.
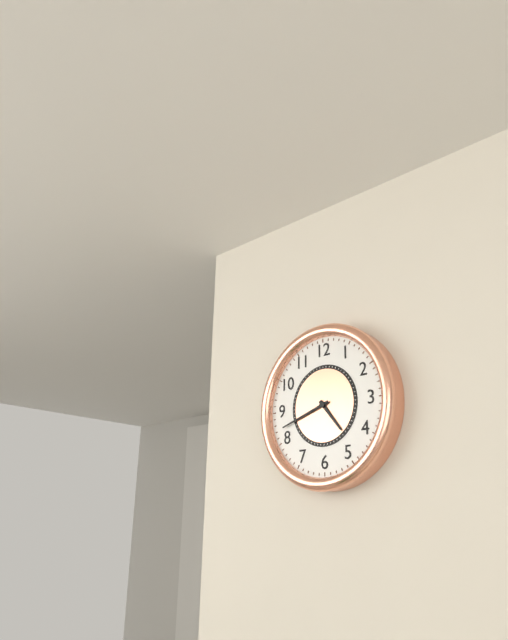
h=4 m=42
